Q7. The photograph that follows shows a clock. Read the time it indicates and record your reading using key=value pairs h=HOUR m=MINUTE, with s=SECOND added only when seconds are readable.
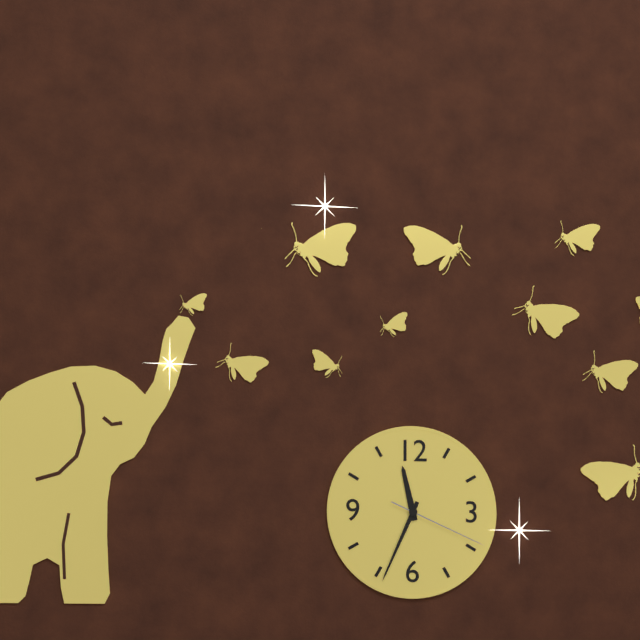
h=11 m=34 s=19
